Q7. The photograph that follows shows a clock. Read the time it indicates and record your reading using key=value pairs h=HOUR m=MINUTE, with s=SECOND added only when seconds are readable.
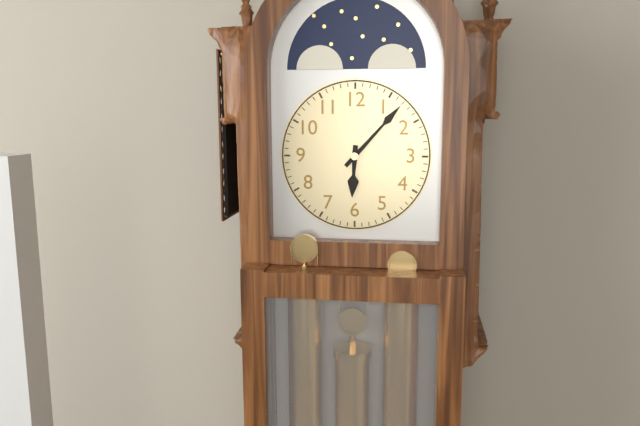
h=6 m=7
